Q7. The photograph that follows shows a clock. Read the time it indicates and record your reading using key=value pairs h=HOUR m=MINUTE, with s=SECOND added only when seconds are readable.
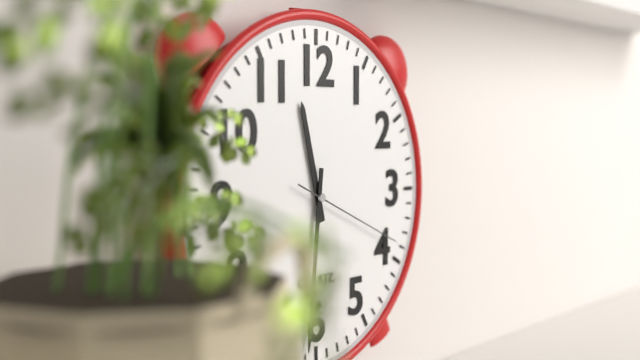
h=11 m=31 s=19
